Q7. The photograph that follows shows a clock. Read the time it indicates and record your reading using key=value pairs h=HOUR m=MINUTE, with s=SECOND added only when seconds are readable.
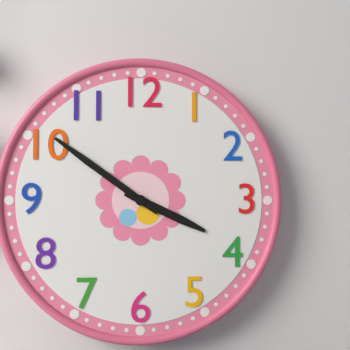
h=3 m=51
